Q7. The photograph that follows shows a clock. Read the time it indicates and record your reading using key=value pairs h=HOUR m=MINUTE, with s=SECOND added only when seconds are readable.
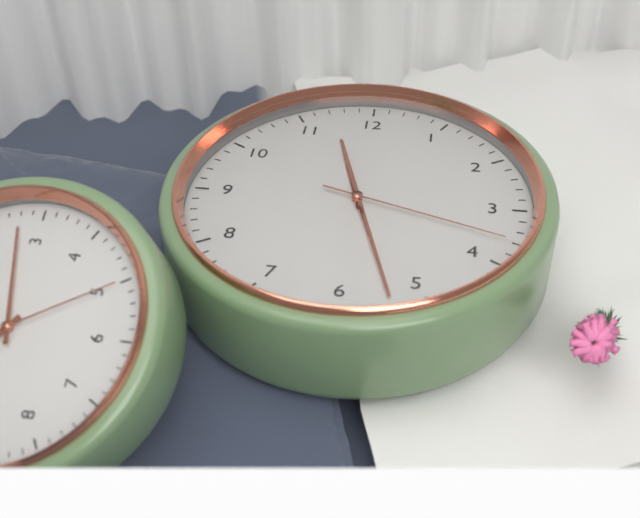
h=11 m=27 s=18
